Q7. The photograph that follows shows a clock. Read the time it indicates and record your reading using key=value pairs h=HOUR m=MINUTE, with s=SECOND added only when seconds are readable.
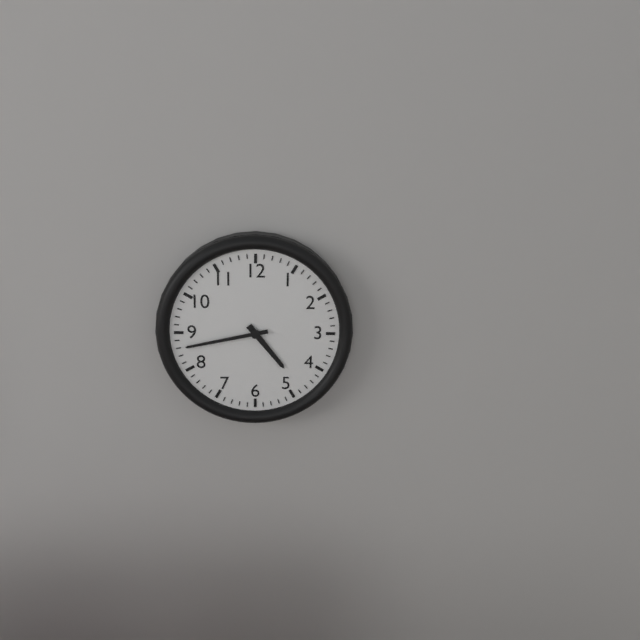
h=4 m=43
